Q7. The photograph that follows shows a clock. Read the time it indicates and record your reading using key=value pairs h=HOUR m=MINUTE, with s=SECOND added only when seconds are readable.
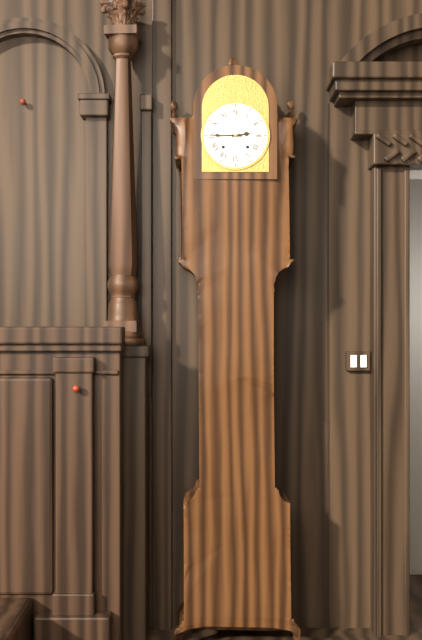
h=2 m=45
